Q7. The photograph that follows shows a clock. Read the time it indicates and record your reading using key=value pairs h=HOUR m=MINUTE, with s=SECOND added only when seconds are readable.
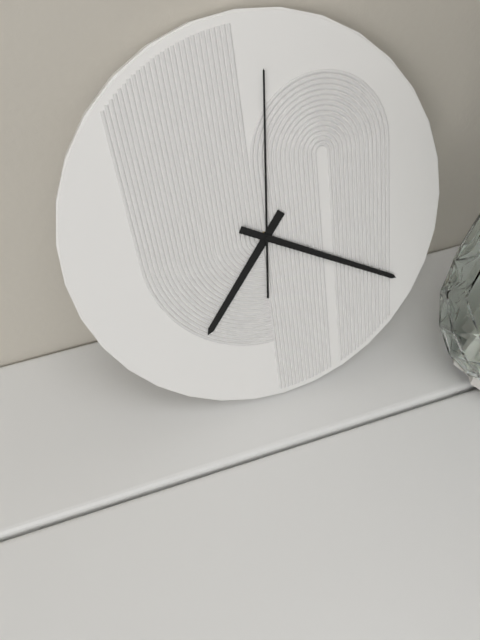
h=7 m=20 s=1
